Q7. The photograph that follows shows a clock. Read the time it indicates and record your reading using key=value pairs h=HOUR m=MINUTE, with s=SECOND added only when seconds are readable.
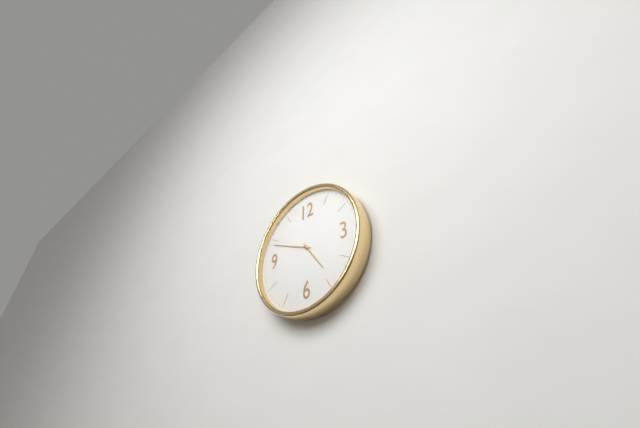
h=4 m=49
